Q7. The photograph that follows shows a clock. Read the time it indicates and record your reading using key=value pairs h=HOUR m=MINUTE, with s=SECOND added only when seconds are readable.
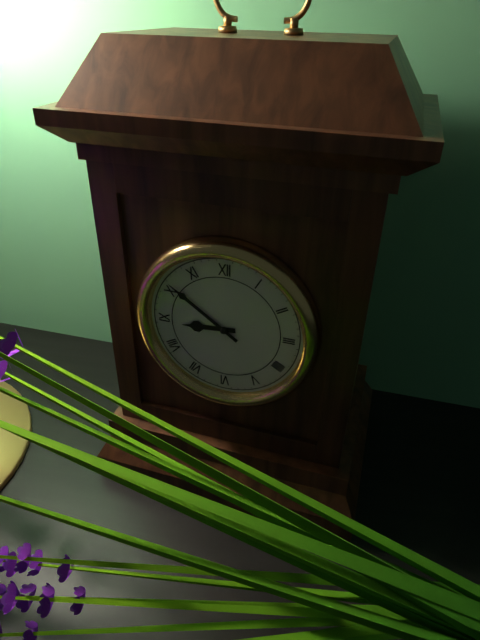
h=8 m=51
